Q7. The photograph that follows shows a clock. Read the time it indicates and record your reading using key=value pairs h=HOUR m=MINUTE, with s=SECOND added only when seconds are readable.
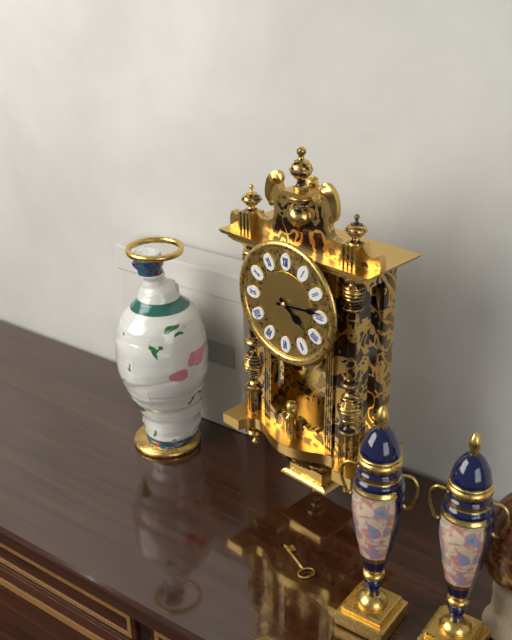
h=4 m=14
